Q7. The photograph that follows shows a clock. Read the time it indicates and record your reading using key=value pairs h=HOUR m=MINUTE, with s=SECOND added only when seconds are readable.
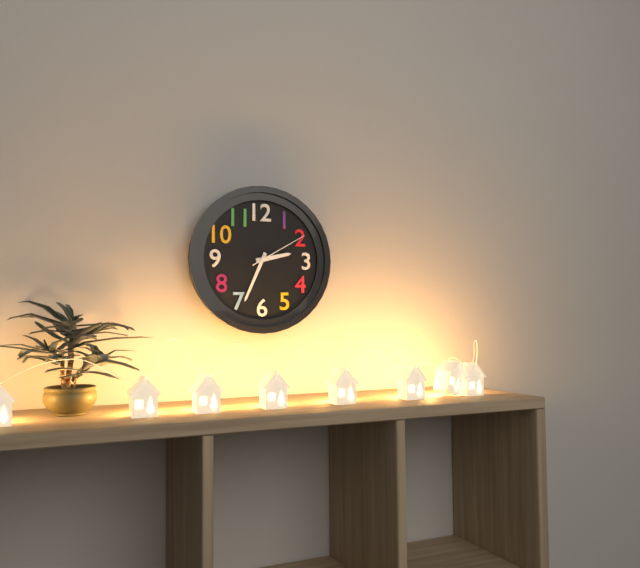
h=2 m=34 s=10
